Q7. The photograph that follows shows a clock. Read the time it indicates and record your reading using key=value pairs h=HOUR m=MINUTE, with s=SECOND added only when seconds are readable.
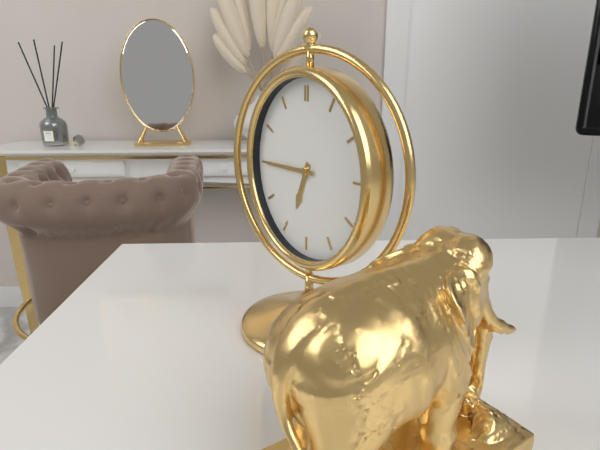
h=6 m=45
